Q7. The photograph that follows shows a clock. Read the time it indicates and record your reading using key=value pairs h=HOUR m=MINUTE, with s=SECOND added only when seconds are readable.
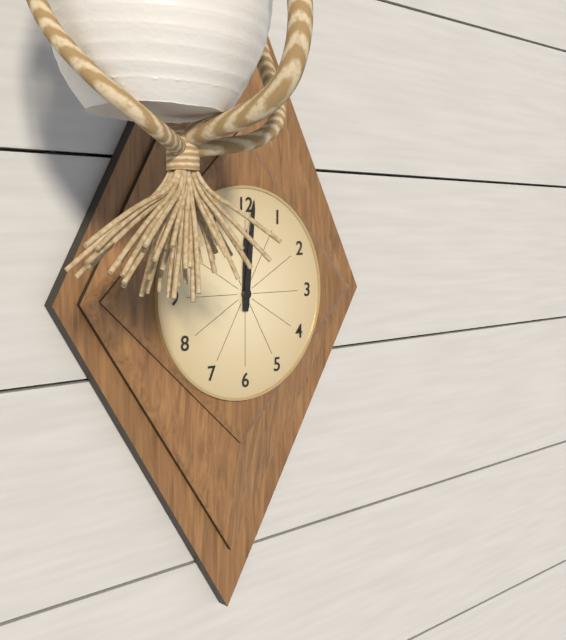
h=12 m=1
